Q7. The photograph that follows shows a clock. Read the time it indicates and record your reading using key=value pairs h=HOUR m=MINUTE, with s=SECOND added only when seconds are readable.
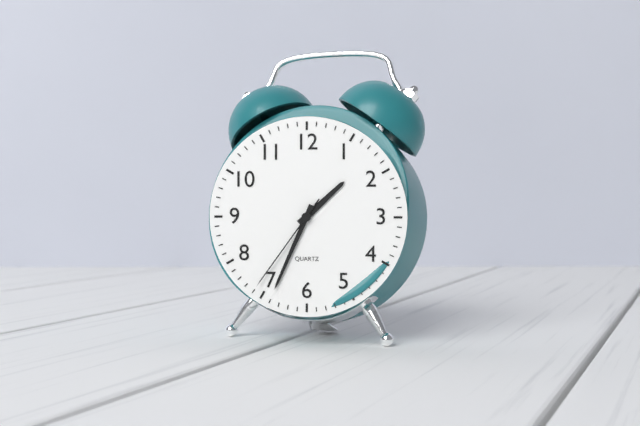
h=1 m=34 s=36
